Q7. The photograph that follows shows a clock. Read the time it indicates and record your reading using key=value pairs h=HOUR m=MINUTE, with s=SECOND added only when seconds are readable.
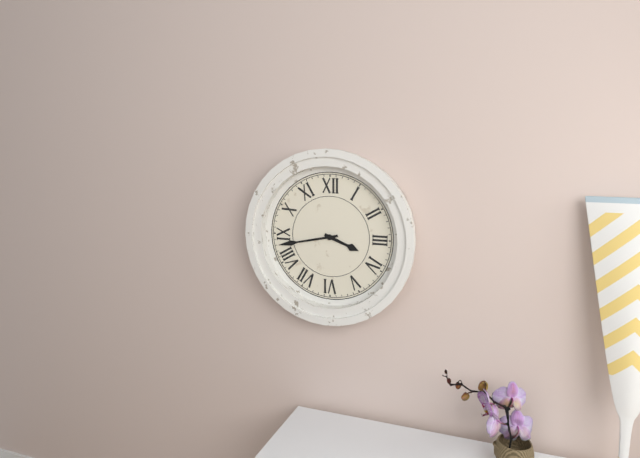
h=3 m=43
